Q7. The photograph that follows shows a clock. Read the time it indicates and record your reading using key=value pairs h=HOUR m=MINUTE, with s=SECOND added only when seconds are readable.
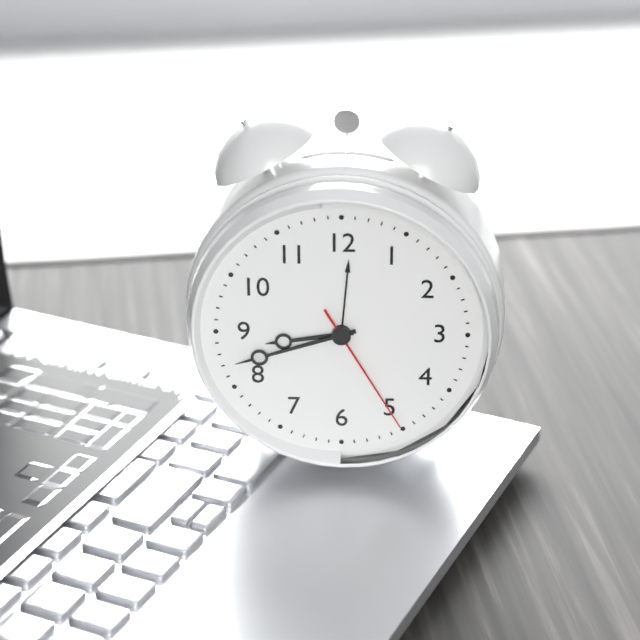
h=8 m=42 s=25
